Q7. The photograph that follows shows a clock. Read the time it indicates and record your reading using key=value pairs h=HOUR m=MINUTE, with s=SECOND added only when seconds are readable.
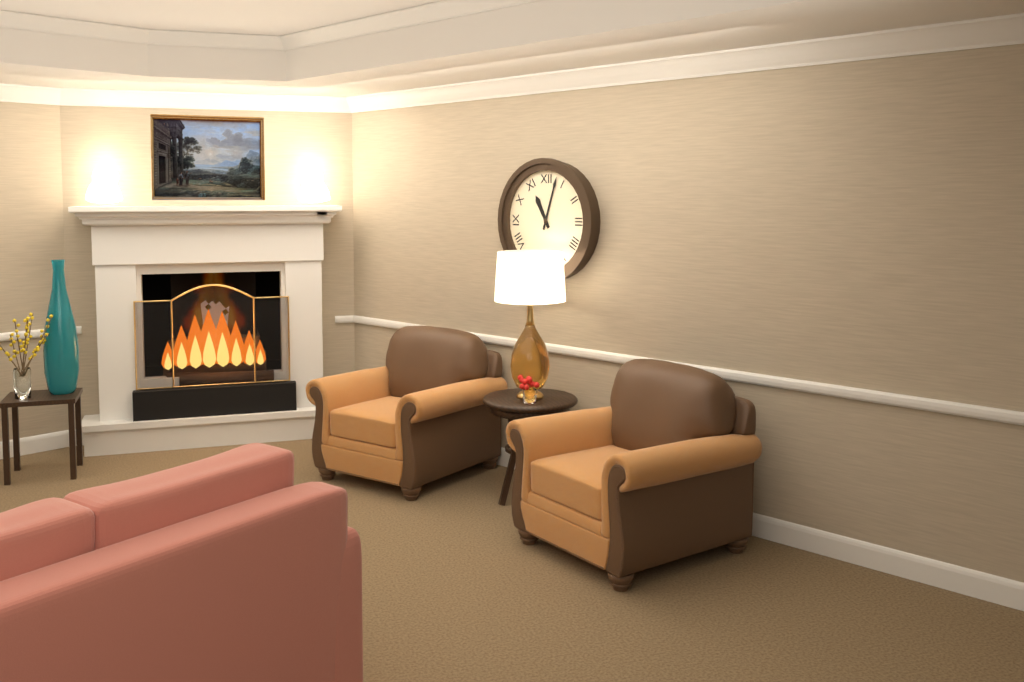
h=11 m=3
